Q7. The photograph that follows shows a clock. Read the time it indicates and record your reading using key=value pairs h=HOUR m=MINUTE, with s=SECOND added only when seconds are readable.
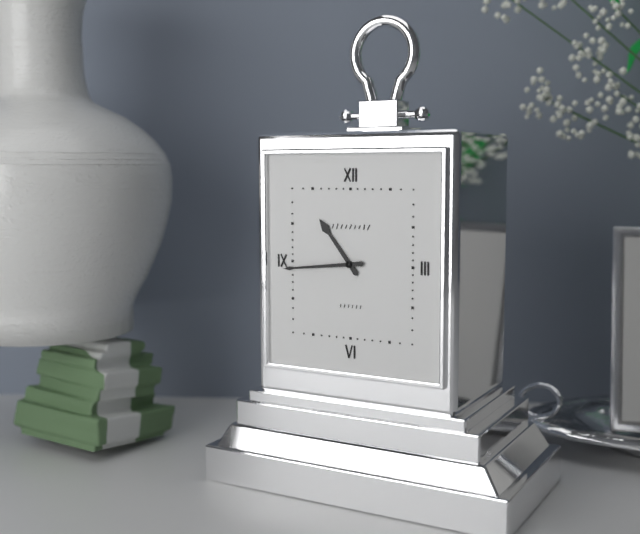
h=10 m=44
